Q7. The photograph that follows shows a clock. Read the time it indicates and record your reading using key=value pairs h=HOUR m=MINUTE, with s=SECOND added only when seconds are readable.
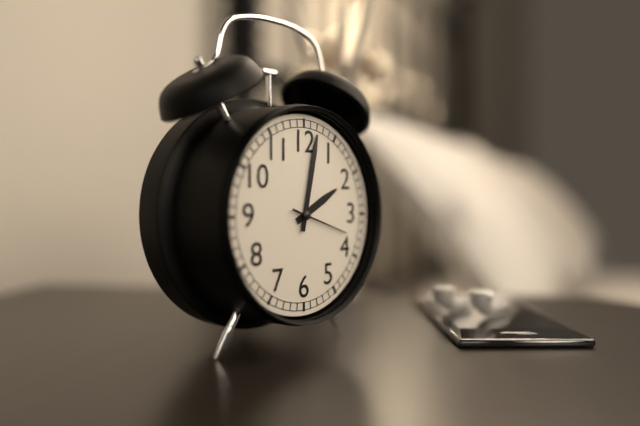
h=2 m=2 s=18
